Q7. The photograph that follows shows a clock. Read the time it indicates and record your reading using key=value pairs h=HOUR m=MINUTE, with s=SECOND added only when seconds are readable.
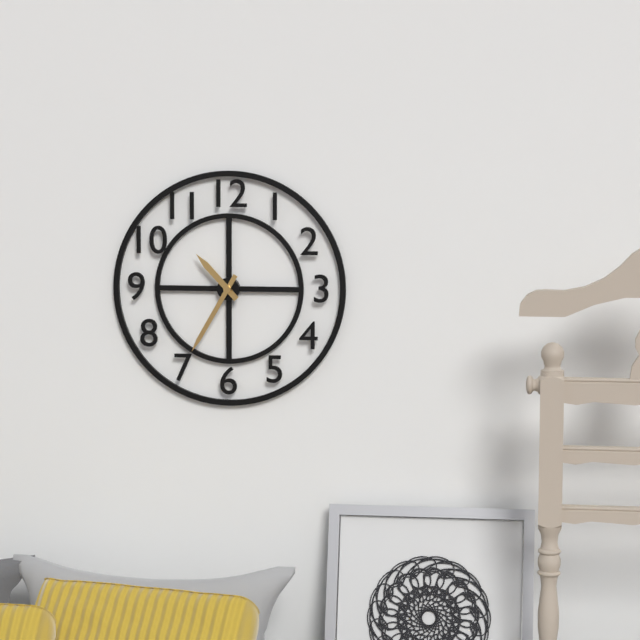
h=10 m=35
